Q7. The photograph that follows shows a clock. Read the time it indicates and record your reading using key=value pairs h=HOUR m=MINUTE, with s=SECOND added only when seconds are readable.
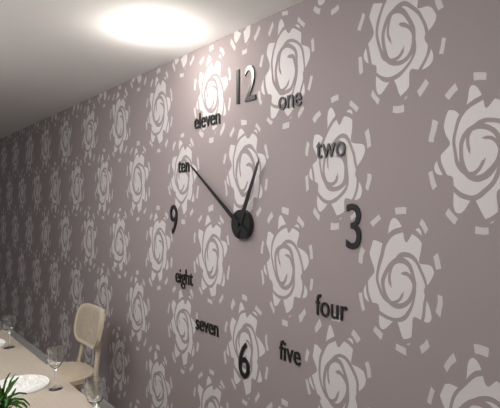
h=12 m=51
